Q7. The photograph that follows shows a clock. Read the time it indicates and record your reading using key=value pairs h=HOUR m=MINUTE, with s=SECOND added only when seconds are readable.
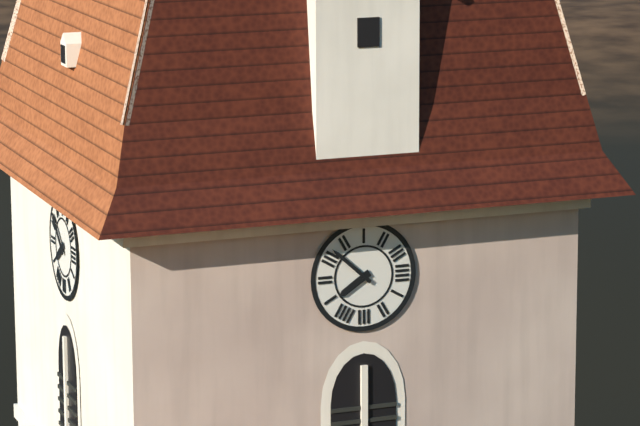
h=7 m=52
